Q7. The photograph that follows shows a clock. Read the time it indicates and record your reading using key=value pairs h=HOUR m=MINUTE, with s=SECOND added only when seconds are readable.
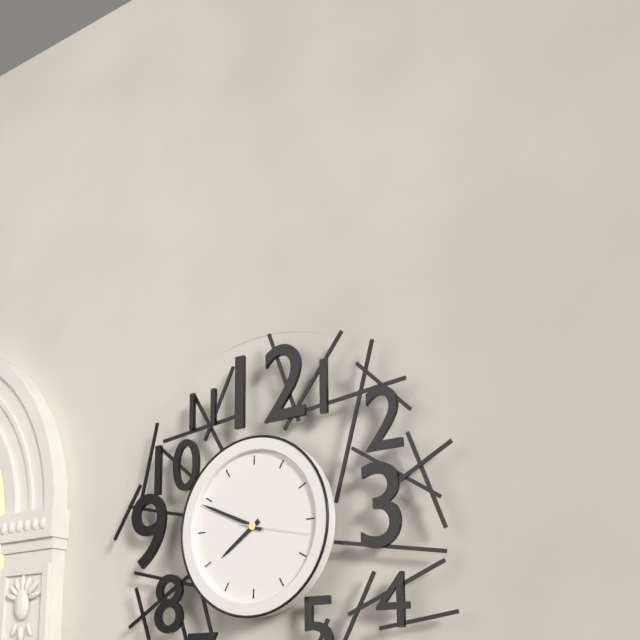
h=7 m=49
